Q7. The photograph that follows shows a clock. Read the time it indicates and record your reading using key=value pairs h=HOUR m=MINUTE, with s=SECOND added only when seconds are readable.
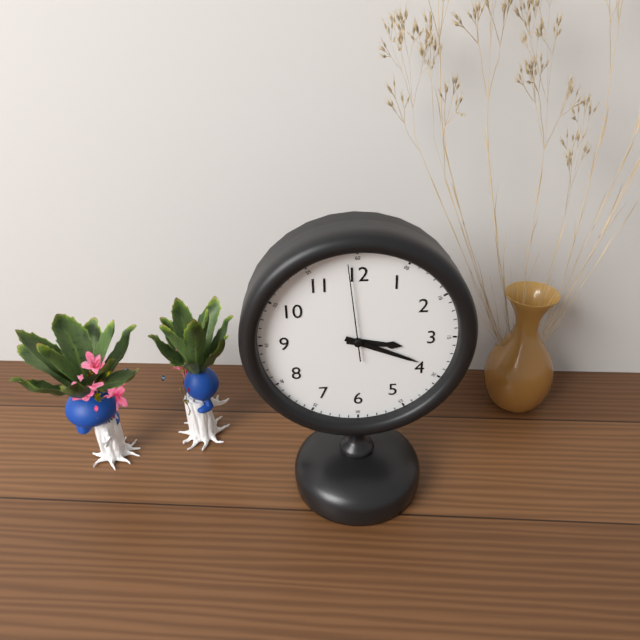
h=3 m=19 s=59
